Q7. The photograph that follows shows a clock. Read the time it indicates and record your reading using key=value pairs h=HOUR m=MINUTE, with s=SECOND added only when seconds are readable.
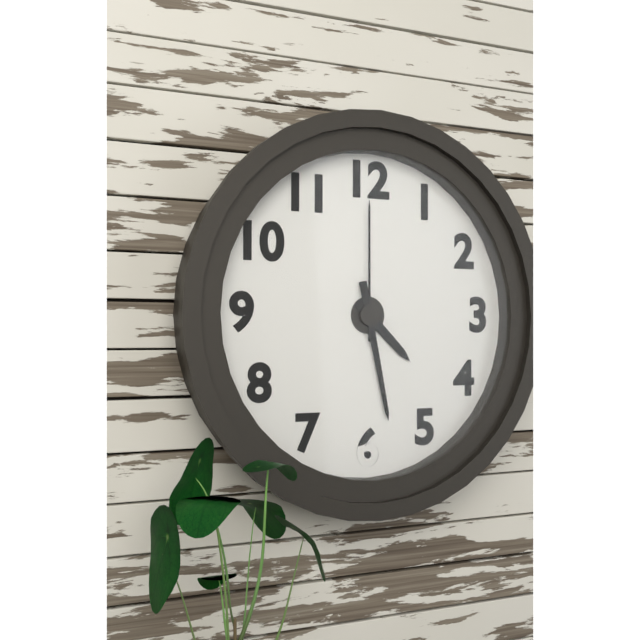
h=4 m=28 s=0
